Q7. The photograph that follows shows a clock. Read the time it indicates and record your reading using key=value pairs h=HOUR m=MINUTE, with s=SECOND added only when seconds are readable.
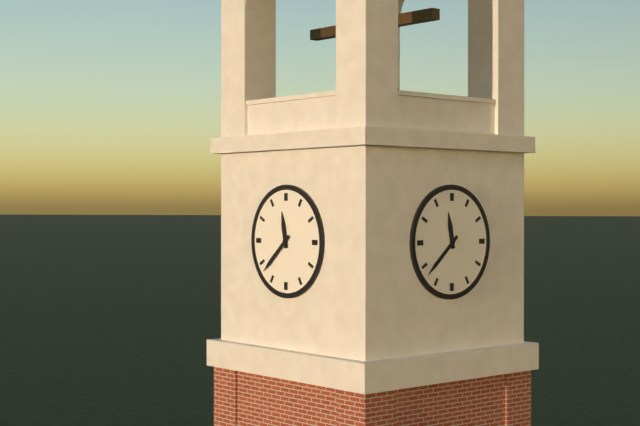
h=11 m=38
